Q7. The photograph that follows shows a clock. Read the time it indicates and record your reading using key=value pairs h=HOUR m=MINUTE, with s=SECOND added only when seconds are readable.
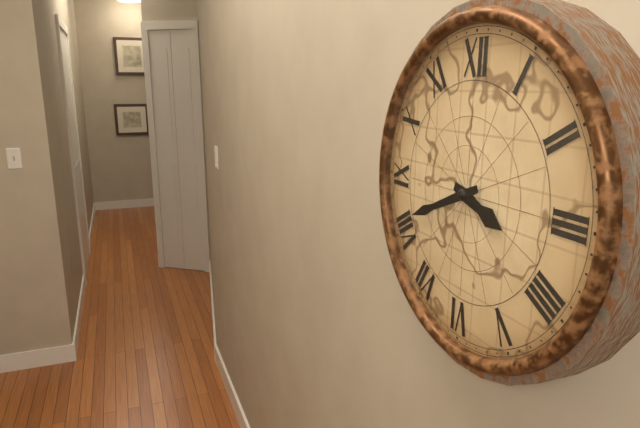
h=3 m=41
